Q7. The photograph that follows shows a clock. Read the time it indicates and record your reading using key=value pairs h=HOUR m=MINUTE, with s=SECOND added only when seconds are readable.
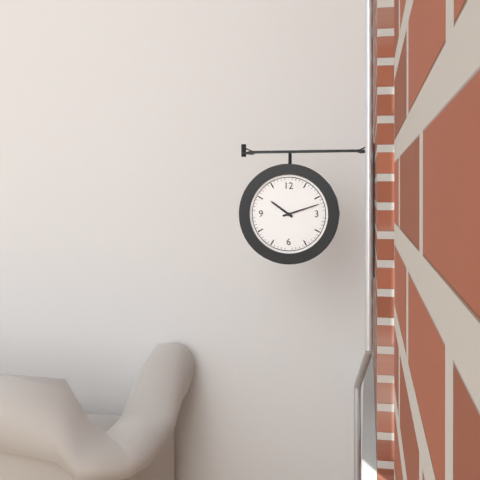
h=10 m=12
